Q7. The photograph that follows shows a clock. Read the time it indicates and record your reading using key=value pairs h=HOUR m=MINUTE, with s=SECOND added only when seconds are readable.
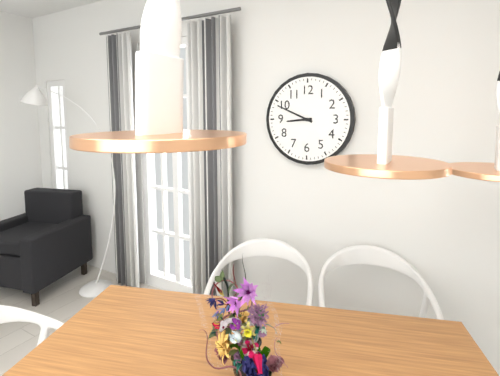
h=8 m=49
